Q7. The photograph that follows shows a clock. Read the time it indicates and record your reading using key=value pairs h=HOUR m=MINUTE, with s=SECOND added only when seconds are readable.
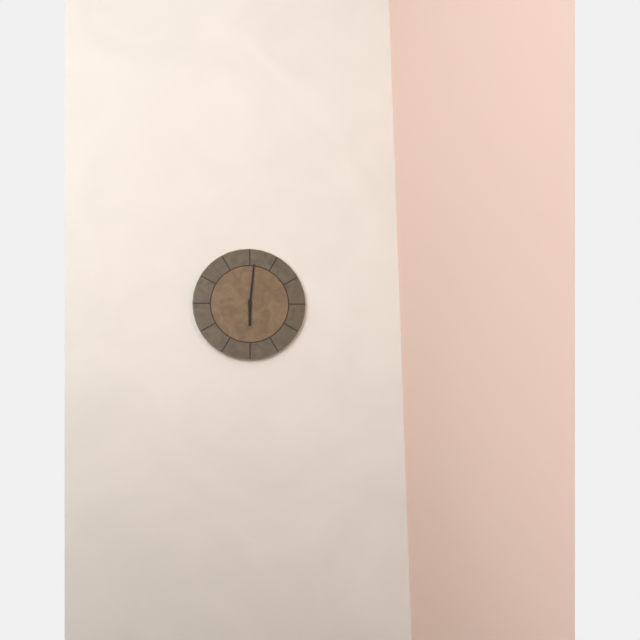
h=6 m=1
